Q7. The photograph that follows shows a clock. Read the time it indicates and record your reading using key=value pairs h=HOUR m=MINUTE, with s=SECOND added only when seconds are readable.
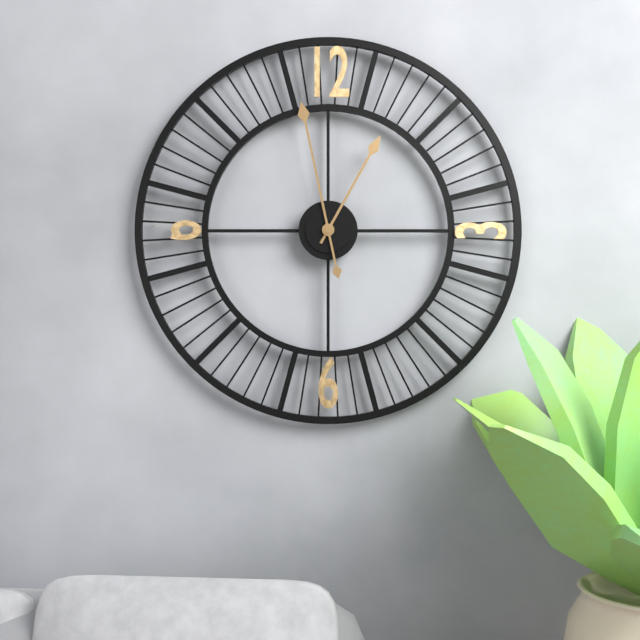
h=12 m=58
